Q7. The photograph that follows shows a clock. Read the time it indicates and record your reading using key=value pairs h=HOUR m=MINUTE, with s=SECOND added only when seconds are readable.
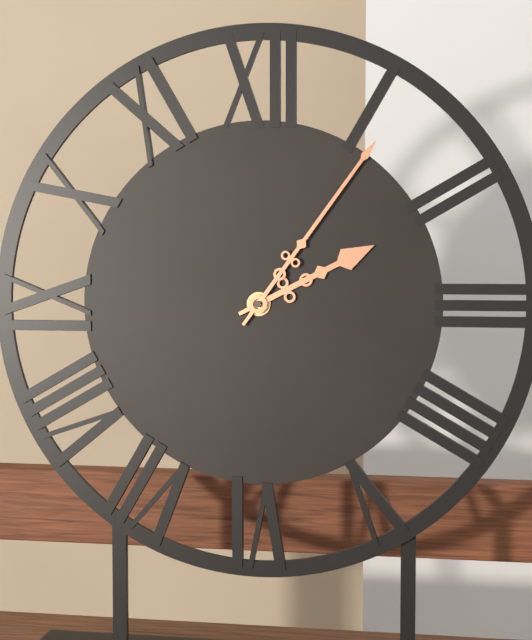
h=2 m=6
